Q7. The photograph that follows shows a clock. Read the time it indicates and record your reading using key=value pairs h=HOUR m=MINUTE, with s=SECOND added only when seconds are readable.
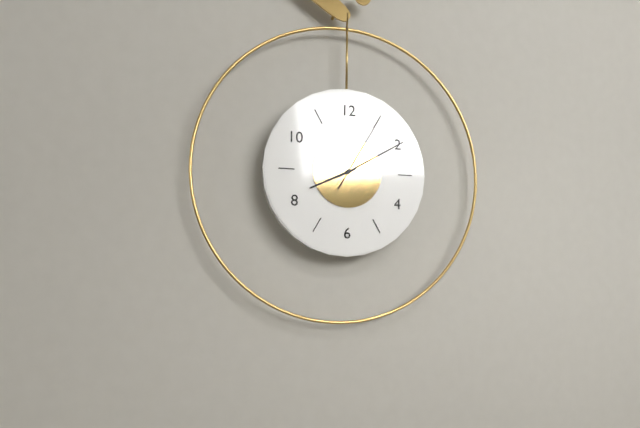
h=8 m=10 s=5
